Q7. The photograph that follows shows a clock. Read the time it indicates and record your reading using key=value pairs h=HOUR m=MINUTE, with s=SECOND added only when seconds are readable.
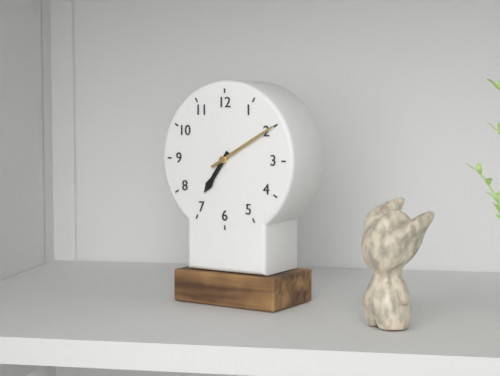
h=7 m=10
